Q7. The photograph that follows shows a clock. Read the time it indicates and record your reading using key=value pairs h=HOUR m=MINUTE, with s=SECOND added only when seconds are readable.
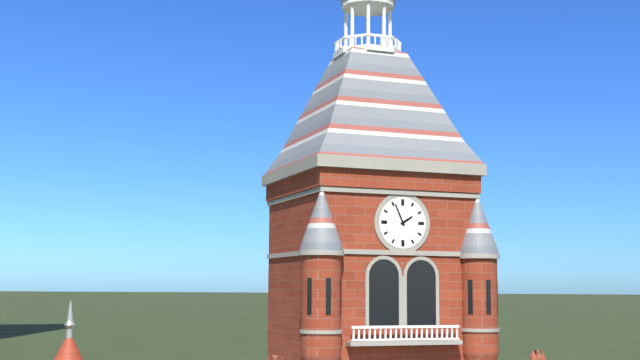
h=1 m=56
